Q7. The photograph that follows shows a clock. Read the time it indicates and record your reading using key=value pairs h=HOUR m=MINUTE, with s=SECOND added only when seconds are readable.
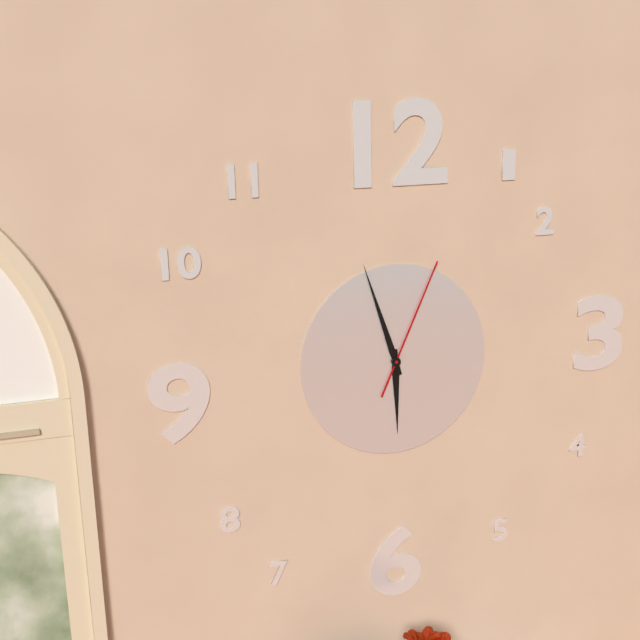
h=5 m=57 s=4
